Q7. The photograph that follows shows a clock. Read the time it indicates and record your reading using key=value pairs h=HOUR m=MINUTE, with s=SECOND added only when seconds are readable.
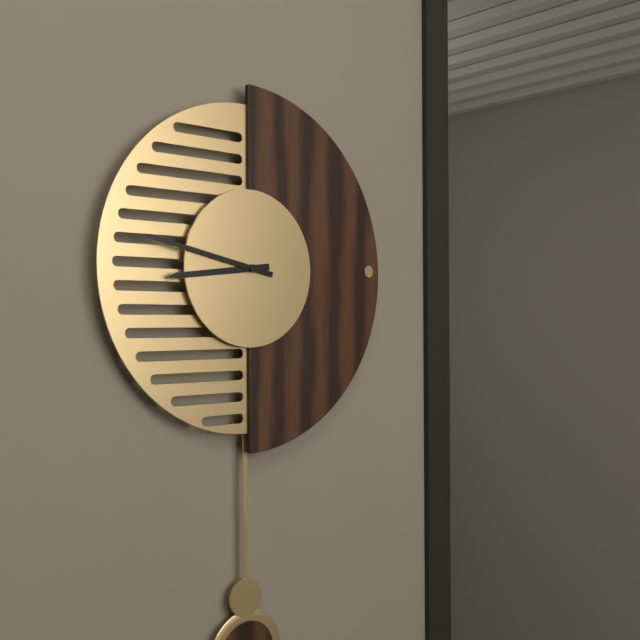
h=8 m=47
